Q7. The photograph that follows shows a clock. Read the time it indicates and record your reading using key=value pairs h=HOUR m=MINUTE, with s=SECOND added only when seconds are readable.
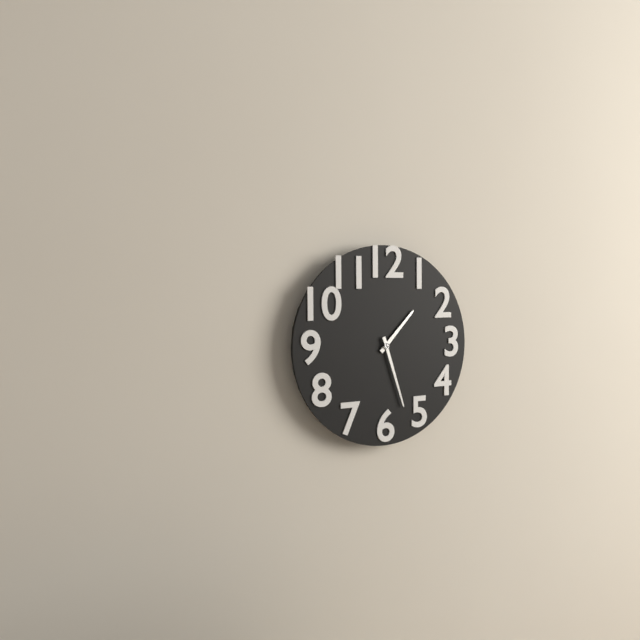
h=1 m=27
